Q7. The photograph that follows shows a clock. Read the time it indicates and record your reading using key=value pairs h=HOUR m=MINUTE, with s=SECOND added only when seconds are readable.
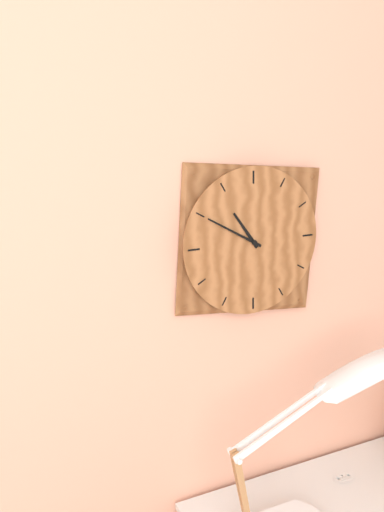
h=10 m=50
